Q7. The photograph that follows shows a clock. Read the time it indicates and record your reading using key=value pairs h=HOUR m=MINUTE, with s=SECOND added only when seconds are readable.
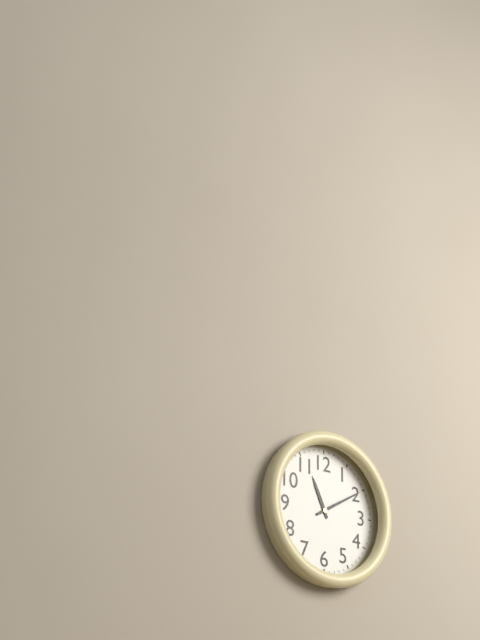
h=11 m=10
